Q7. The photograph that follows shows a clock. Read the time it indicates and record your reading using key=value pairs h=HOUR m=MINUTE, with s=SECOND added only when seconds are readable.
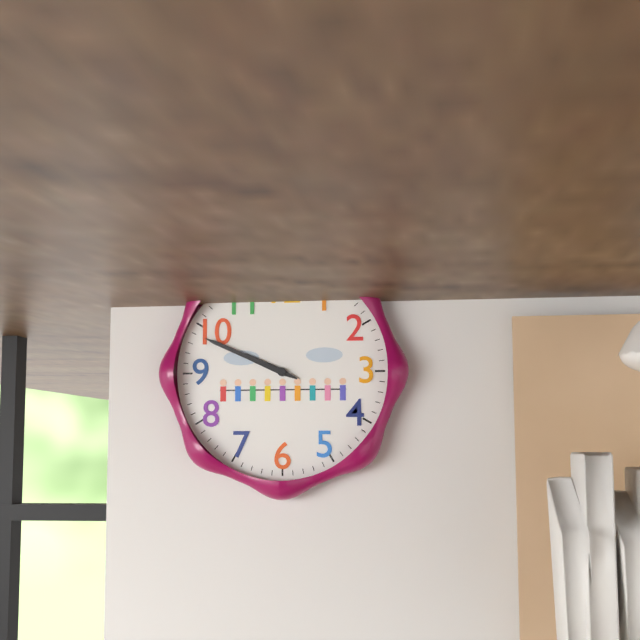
h=9 m=49
